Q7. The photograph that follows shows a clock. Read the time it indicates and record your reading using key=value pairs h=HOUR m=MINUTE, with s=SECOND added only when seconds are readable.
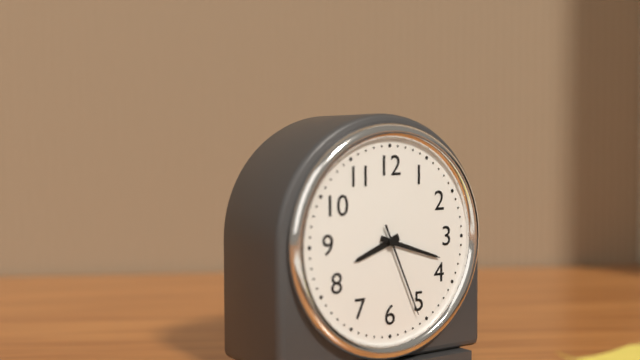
h=8 m=18 s=26
